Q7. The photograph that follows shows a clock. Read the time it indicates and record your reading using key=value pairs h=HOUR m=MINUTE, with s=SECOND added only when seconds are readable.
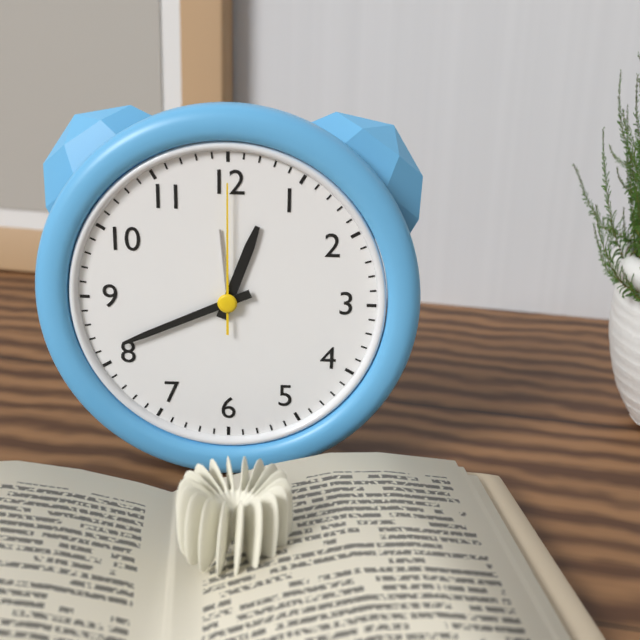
h=12 m=41 s=0
